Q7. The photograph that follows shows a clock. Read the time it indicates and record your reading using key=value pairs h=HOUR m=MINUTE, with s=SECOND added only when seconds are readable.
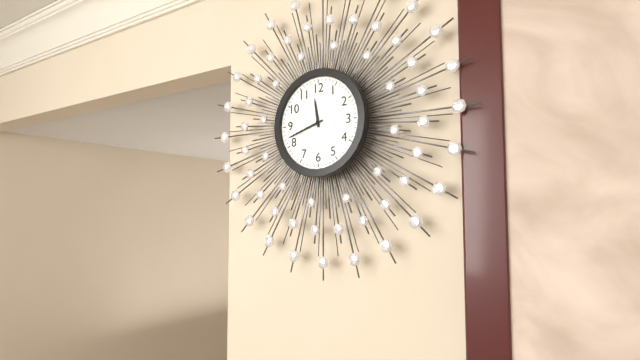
h=11 m=42
